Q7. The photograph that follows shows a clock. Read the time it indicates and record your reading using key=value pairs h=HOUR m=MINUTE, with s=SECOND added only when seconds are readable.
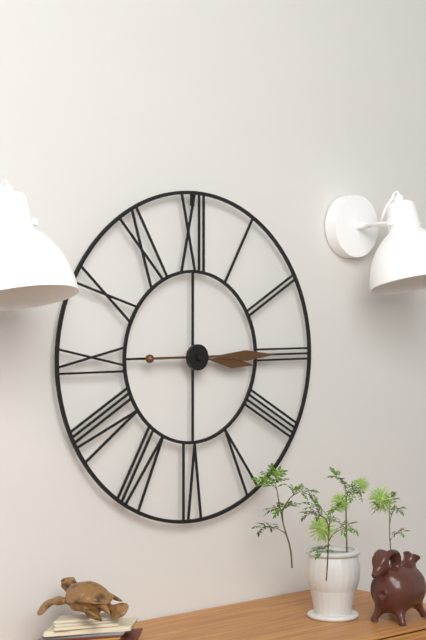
h=3 m=15
